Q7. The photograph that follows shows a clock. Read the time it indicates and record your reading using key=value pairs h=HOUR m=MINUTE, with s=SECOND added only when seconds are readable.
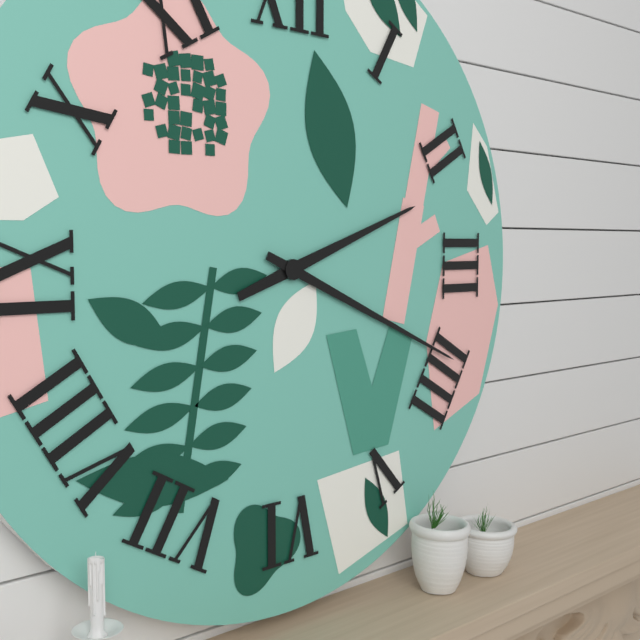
h=2 m=19
